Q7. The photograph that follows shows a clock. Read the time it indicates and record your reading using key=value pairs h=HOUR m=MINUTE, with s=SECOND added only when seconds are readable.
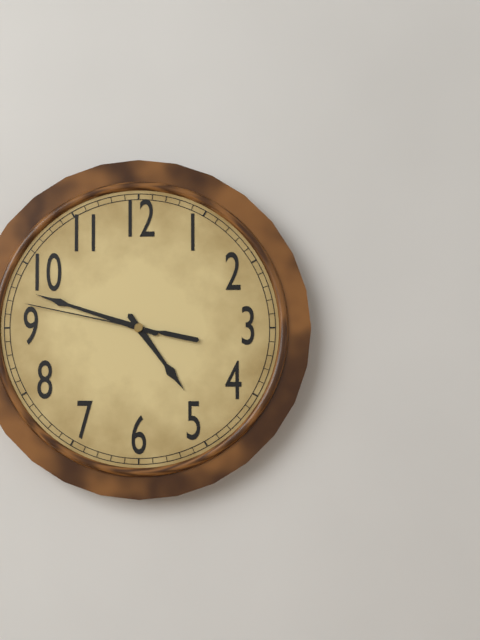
h=4 m=48 s=47
